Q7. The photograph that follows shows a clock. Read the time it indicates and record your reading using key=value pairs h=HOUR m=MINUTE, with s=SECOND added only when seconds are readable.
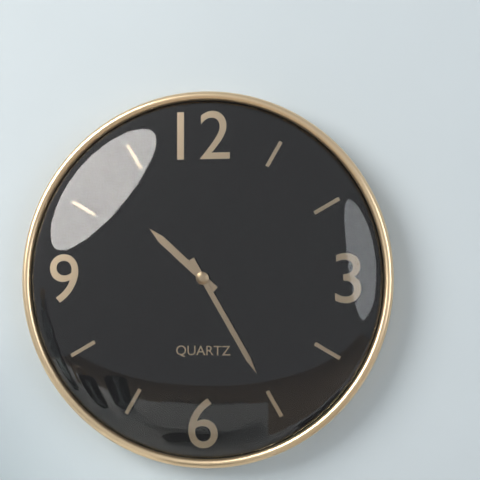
h=10 m=25
